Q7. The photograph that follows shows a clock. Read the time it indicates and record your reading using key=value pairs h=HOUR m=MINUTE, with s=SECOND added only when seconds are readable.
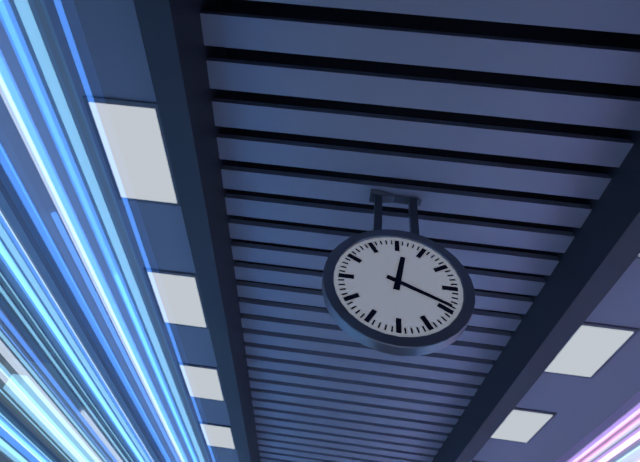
h=12 m=19
